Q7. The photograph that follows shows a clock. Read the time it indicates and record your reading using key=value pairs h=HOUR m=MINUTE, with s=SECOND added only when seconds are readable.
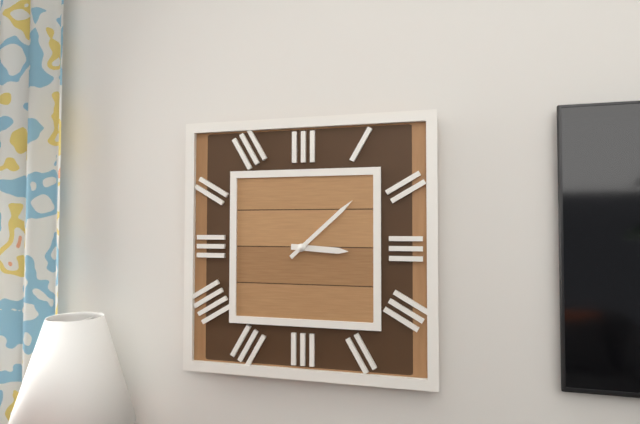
h=3 m=8
